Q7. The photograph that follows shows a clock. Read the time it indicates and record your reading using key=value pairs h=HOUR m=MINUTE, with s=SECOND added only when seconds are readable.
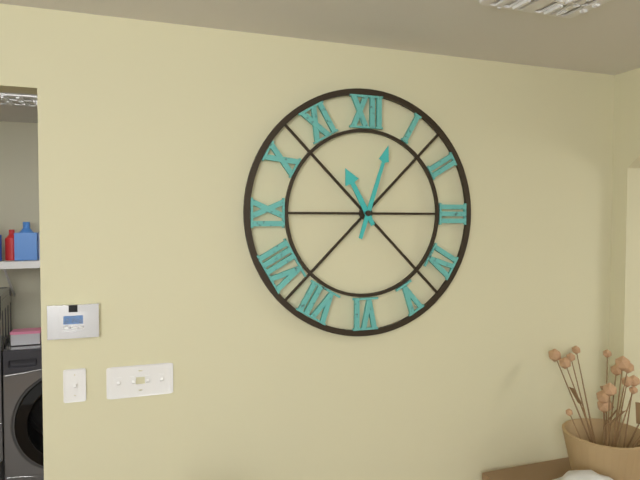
h=11 m=3
